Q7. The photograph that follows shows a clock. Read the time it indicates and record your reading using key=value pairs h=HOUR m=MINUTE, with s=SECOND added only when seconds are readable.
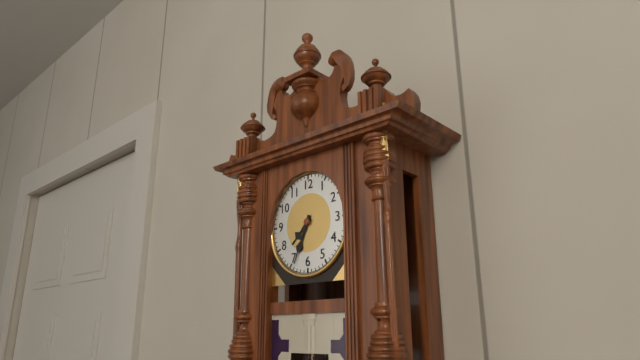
h=7 m=34
